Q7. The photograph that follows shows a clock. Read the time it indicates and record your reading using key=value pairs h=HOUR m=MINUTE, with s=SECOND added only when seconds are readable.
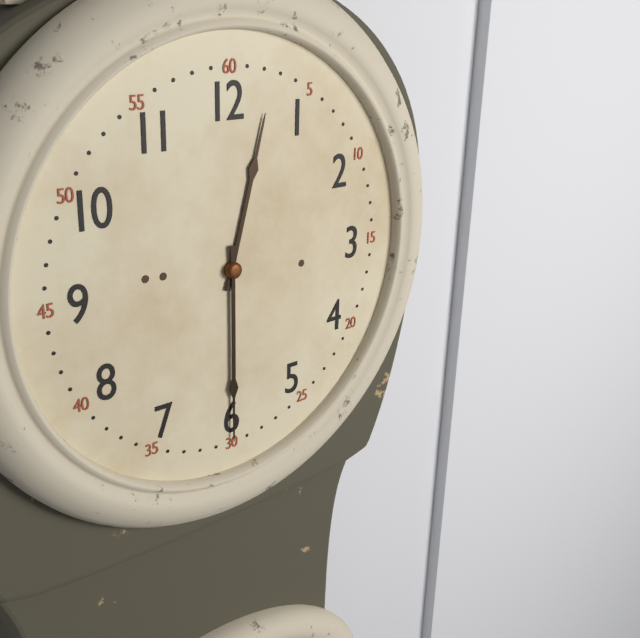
h=12 m=30
